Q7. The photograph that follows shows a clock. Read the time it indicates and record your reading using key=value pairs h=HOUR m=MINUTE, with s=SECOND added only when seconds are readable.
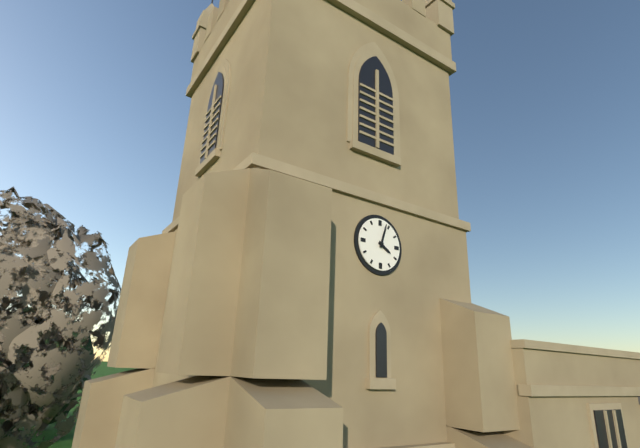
h=4 m=3
